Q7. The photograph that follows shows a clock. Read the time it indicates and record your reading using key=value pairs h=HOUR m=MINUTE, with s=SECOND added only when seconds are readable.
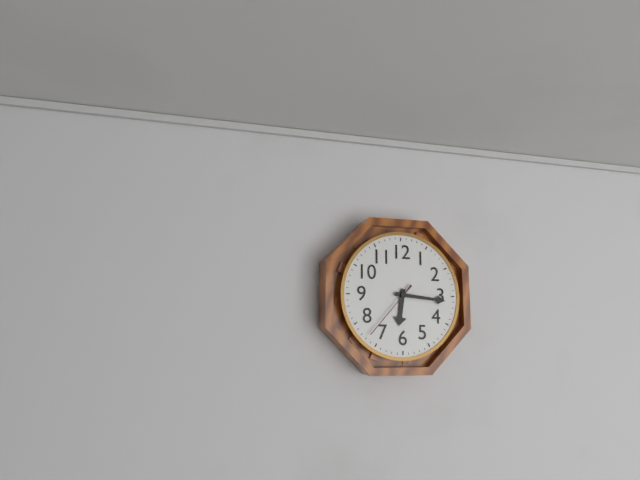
h=6 m=16 s=37
